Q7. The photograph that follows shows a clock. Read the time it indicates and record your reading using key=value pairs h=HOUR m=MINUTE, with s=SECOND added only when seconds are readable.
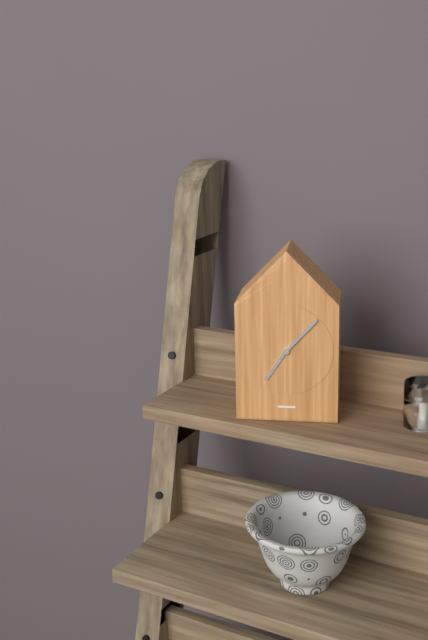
h=7 m=7
